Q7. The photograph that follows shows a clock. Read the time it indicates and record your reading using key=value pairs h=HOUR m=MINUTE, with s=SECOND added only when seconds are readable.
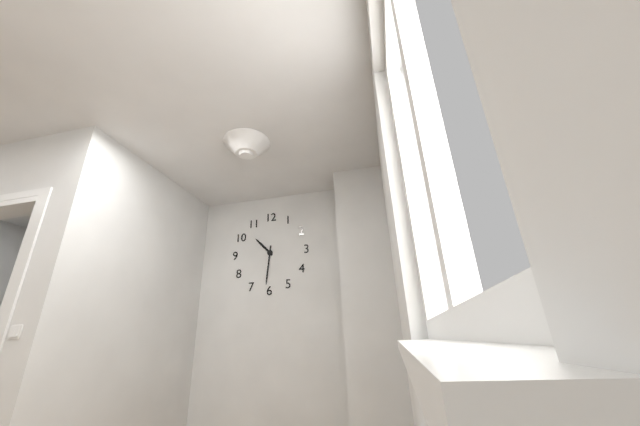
h=10 m=31
